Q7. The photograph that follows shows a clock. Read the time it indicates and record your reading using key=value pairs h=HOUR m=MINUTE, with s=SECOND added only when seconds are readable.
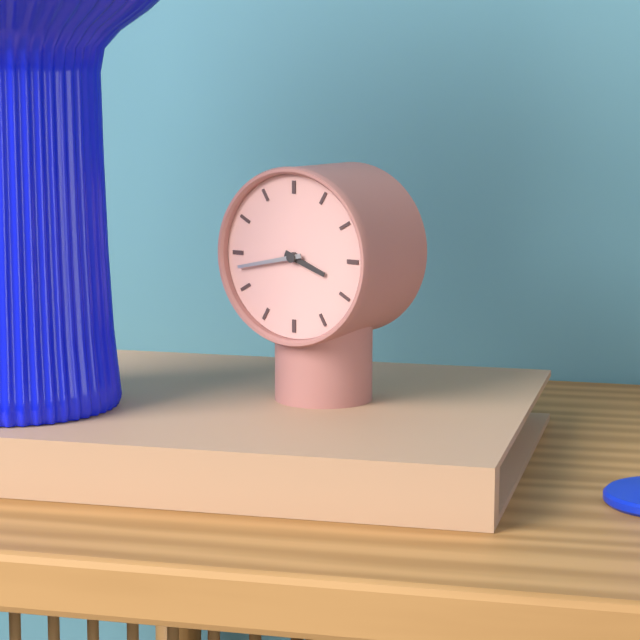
h=3 m=43
